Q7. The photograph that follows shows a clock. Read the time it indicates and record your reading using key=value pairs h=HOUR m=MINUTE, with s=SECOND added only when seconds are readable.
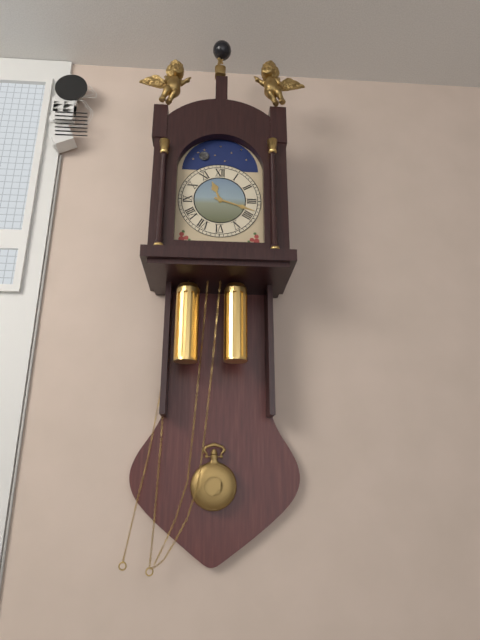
h=11 m=18
